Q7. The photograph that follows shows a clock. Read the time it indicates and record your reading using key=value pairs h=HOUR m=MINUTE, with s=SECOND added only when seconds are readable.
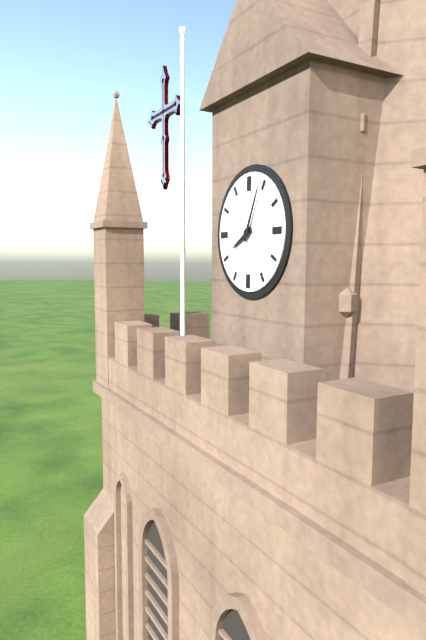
h=8 m=4
